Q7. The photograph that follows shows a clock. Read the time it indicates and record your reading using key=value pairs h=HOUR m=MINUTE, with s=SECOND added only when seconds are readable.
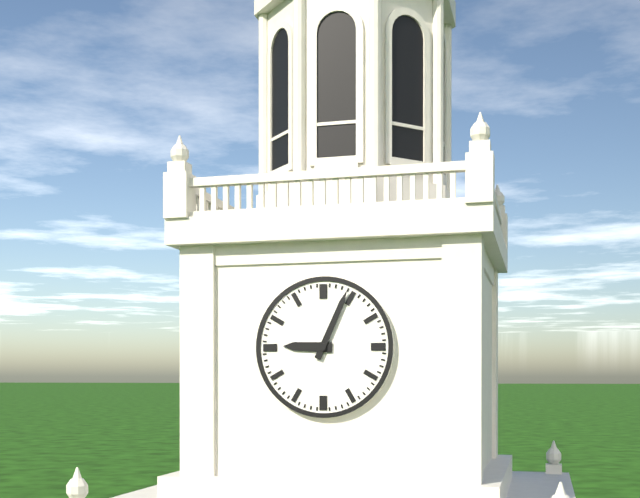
h=9 m=4
